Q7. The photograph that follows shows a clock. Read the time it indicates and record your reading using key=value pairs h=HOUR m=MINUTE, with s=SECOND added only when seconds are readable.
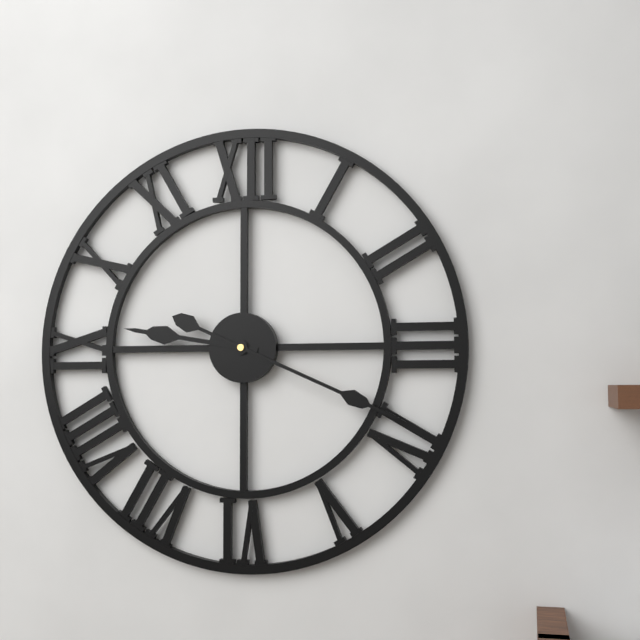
h=9 m=19
